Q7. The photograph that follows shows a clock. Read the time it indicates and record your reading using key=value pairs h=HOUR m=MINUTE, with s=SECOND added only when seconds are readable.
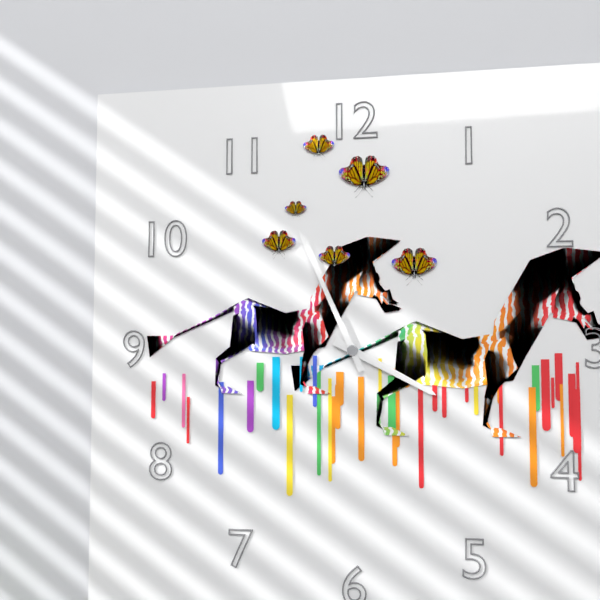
h=3 m=56
